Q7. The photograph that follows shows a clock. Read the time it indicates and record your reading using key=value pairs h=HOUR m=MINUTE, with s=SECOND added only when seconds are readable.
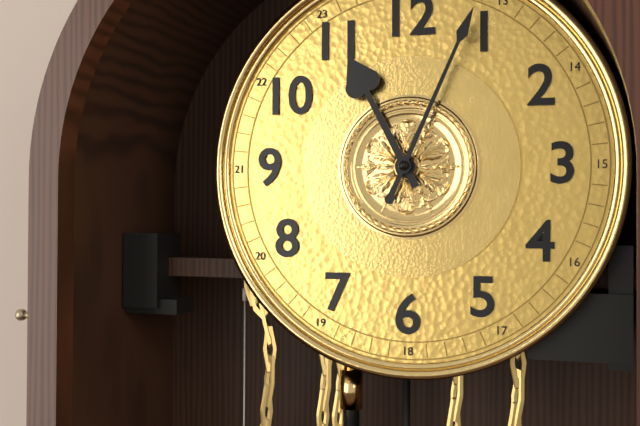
h=11 m=4
